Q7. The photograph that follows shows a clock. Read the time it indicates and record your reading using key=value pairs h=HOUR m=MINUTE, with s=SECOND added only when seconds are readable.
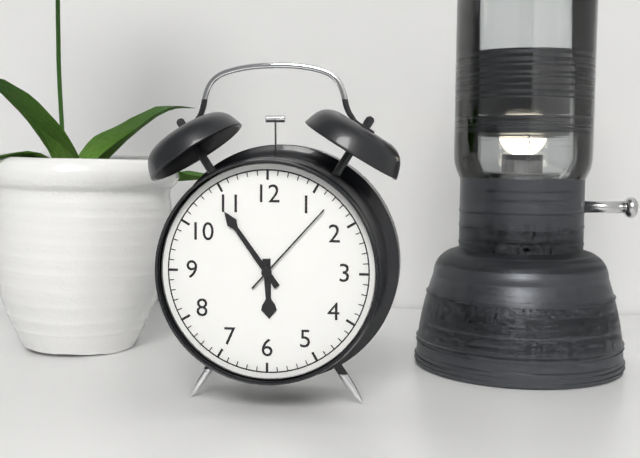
h=5 m=54 s=7
